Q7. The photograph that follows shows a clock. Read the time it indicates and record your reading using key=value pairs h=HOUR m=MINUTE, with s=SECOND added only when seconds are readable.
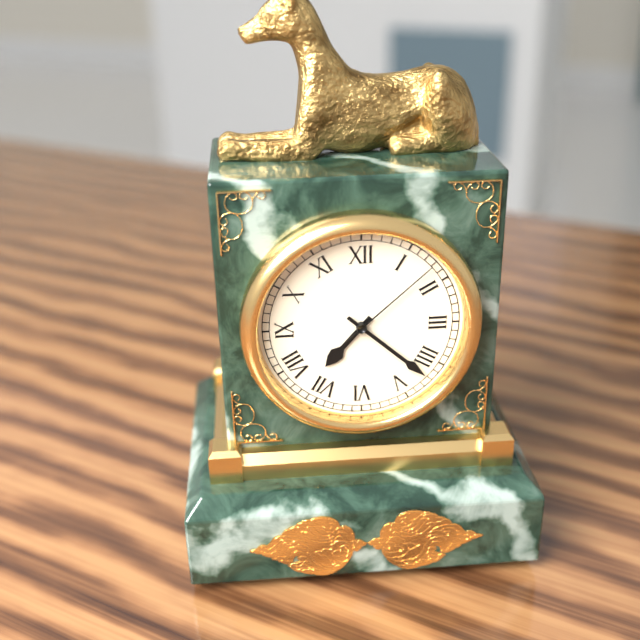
h=7 m=22 s=8
